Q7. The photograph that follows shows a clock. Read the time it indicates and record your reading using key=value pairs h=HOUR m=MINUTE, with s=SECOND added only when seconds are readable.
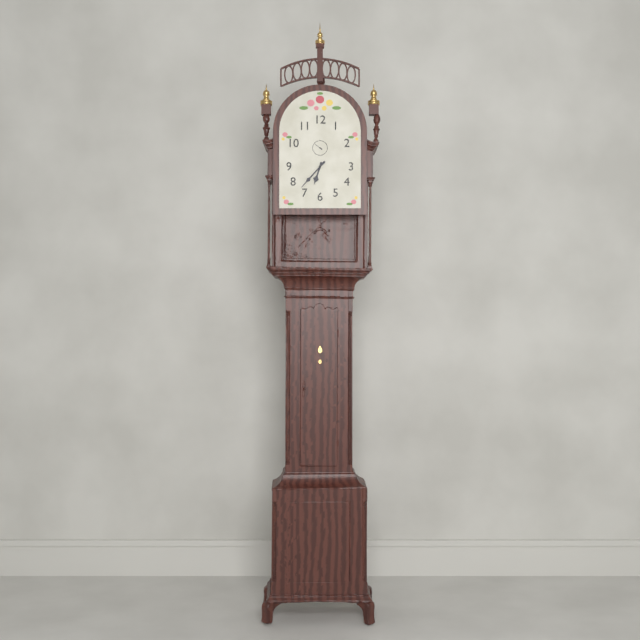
h=6 m=37
